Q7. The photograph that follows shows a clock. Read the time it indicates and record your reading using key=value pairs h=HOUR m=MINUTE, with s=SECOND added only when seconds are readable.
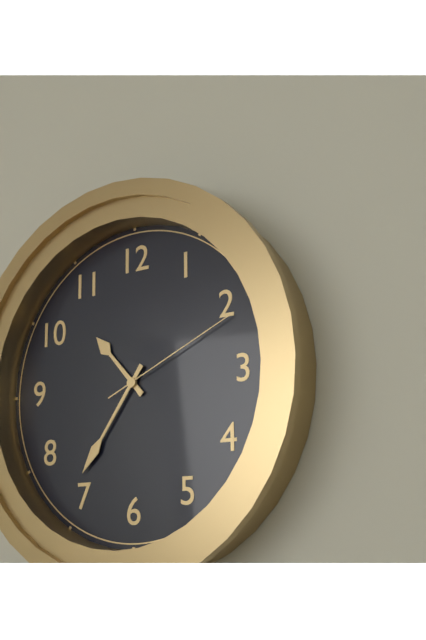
h=10 m=36 s=11
